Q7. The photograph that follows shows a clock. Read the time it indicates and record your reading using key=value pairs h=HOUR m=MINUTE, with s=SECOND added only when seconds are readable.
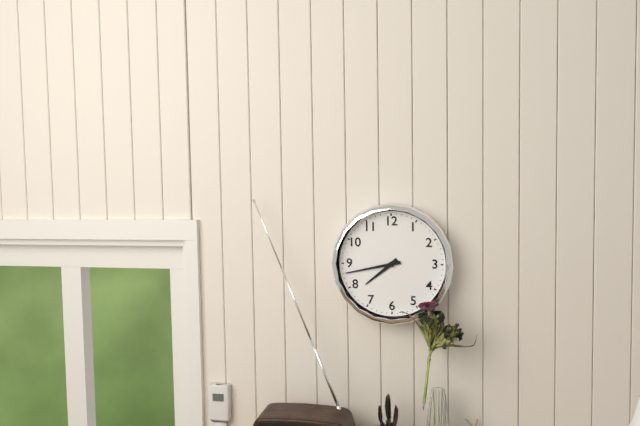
h=7 m=43
